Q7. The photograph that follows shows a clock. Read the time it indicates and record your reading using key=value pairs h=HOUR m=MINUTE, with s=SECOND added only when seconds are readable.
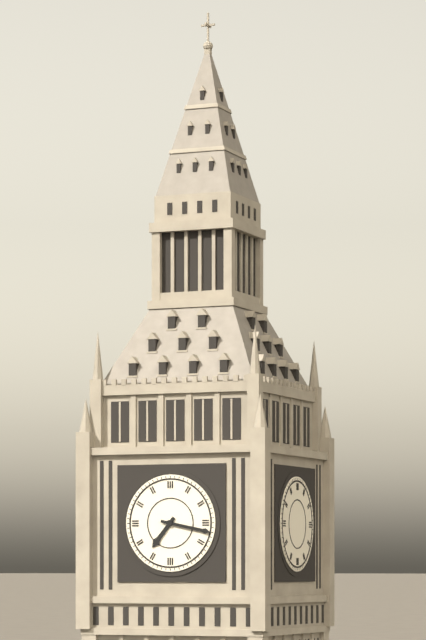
h=7 m=17
